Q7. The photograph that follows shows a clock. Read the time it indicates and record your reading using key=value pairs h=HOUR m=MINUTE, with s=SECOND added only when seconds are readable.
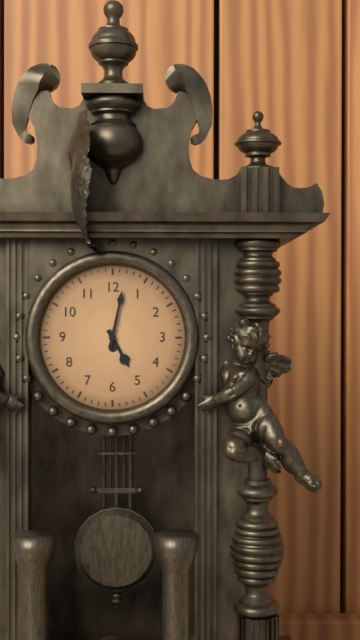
h=5 m=2
